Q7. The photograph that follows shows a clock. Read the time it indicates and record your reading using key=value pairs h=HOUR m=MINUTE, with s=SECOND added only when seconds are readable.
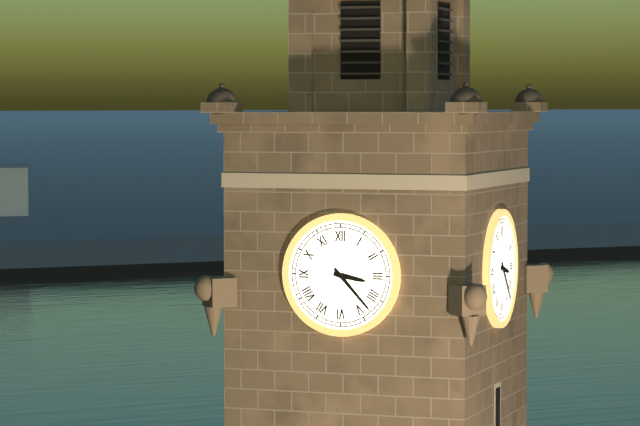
h=3 m=23
